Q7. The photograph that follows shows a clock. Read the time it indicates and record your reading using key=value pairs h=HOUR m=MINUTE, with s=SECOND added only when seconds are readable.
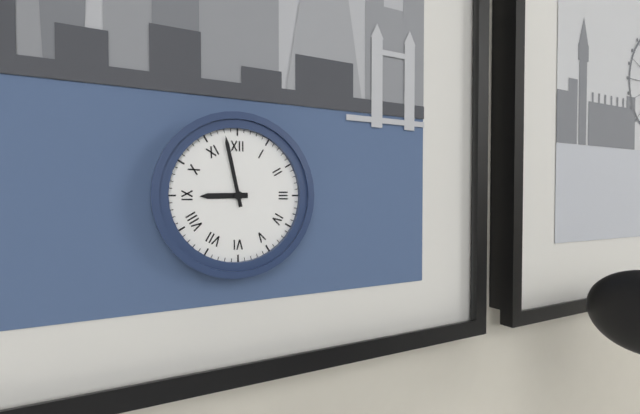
h=8 m=58
